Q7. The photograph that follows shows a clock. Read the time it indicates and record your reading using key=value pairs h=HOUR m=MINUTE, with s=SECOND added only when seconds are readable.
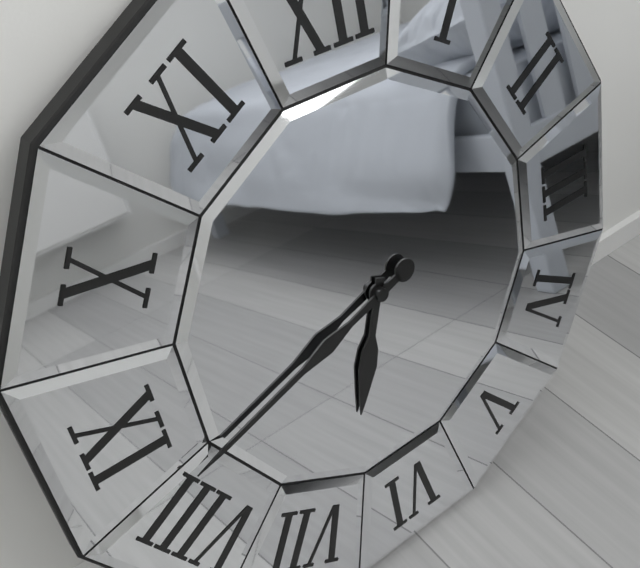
h=6 m=42
